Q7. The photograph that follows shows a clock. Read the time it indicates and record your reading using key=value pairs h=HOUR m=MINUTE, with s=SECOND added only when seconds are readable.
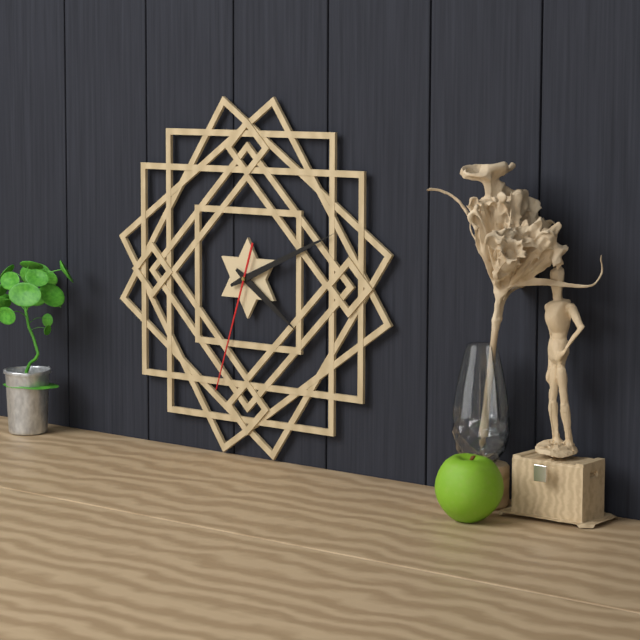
h=4 m=11 s=33
